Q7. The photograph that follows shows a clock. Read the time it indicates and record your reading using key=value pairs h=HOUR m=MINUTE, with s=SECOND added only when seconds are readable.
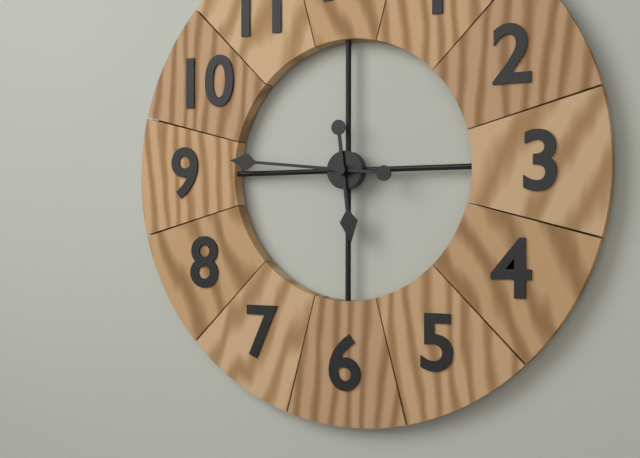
h=5 m=46
